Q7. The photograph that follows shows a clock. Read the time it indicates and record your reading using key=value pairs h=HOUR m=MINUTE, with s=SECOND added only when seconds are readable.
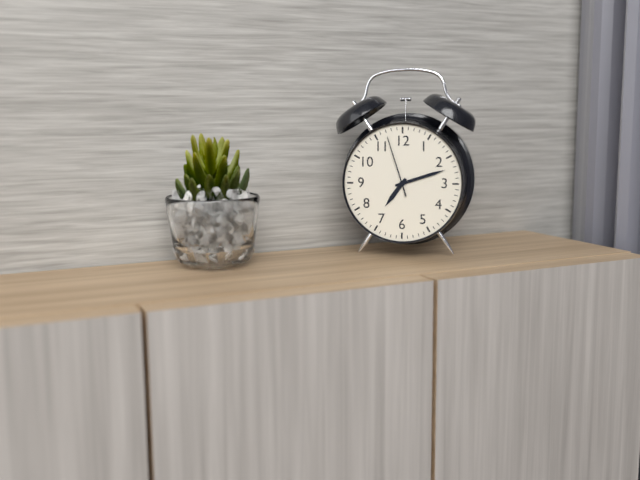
h=7 m=12 s=57
